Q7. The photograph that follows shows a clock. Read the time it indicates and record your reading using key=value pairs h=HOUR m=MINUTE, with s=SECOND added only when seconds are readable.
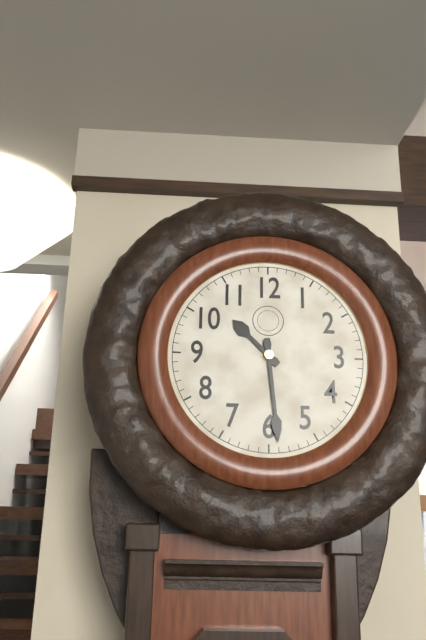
h=10 m=29
